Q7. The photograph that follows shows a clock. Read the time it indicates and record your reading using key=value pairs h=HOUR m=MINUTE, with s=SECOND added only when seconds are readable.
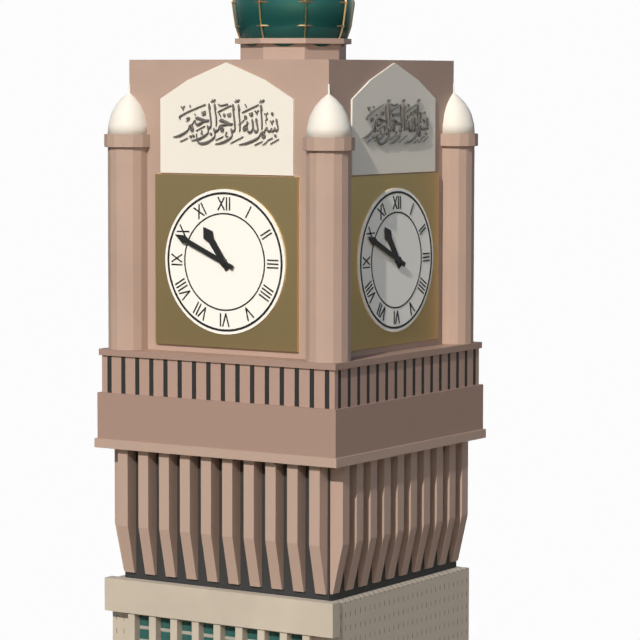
h=10 m=49
